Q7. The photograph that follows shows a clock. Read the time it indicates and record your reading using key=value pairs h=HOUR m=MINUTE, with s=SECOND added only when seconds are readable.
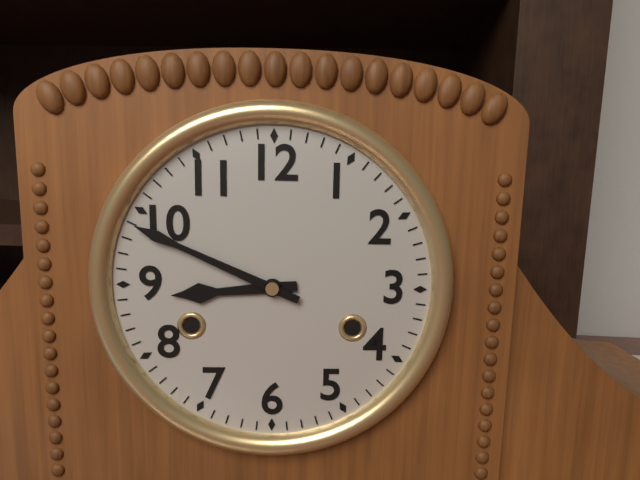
h=8 m=49
